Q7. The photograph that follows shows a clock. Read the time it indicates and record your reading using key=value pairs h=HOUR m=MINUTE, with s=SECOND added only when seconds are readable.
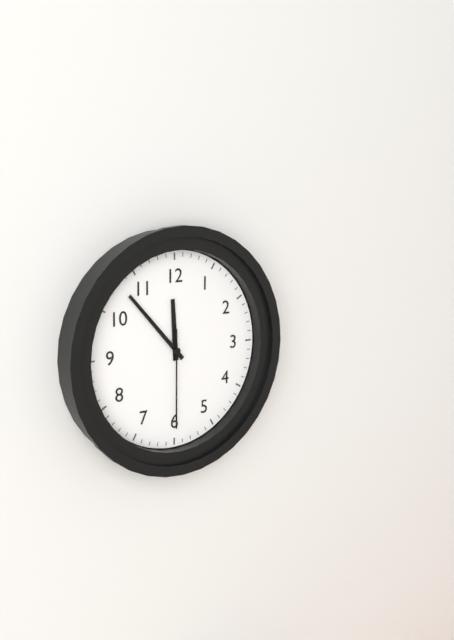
h=11 m=53 s=30
